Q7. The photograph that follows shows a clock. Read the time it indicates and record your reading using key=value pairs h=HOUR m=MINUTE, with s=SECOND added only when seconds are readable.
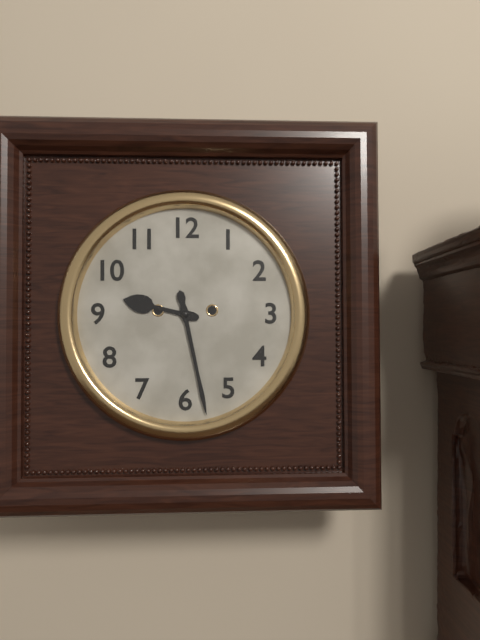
h=9 m=28
